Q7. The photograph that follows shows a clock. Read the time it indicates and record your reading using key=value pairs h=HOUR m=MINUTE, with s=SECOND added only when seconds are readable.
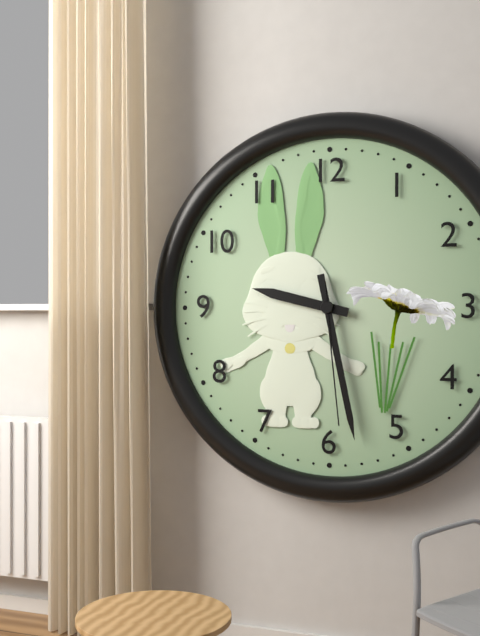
h=9 m=28 s=29
